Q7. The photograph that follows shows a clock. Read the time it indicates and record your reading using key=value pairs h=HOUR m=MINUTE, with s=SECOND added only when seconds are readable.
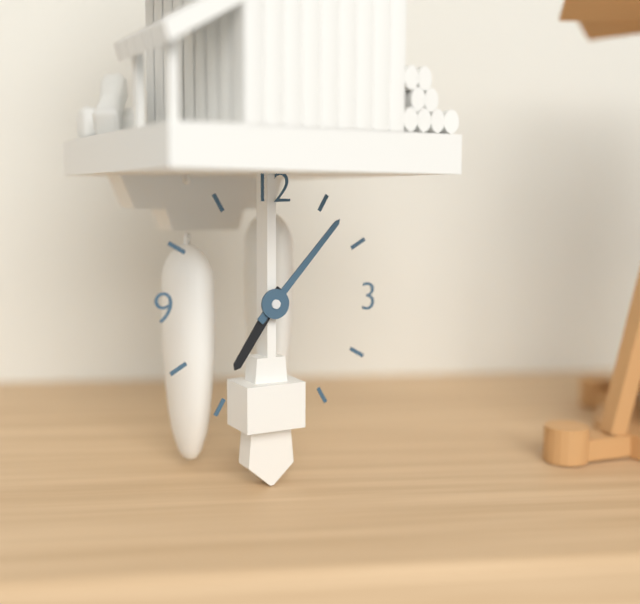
h=7 m=7
